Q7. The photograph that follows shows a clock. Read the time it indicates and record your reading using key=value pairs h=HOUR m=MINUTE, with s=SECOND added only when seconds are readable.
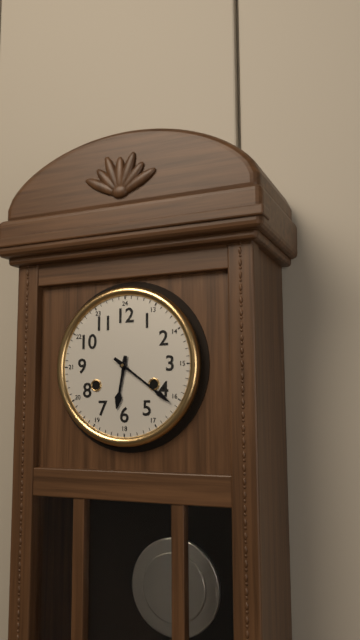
h=6 m=21
